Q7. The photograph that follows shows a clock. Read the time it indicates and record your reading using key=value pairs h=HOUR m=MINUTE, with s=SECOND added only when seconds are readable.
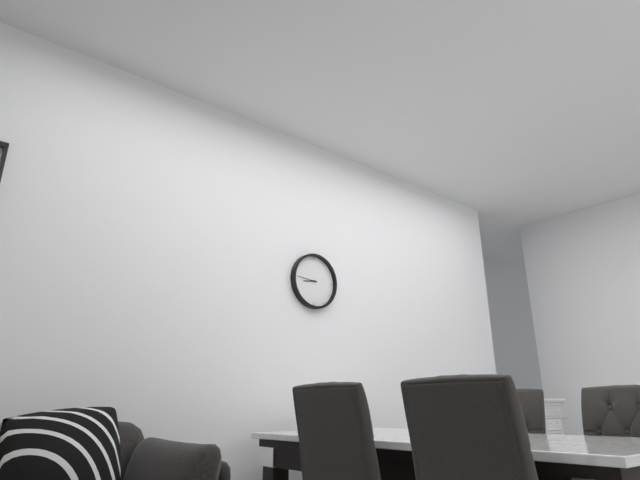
h=8 m=46
